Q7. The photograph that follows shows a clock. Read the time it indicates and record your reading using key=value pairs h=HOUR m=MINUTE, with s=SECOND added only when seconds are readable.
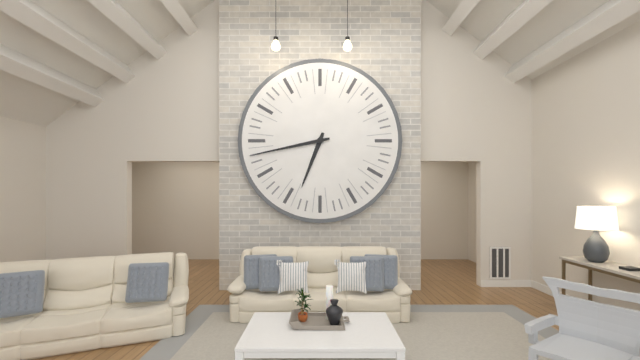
h=6 m=43
